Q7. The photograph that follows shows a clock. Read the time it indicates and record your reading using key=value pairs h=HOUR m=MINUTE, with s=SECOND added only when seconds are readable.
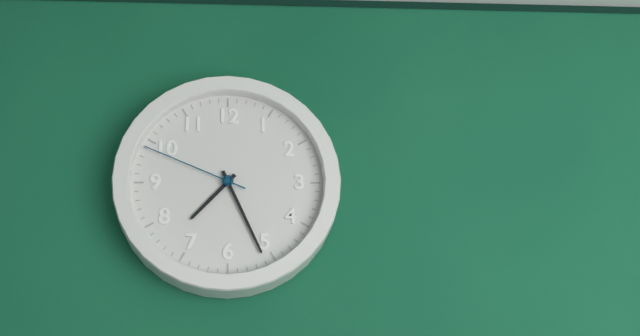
h=7 m=26 s=49
